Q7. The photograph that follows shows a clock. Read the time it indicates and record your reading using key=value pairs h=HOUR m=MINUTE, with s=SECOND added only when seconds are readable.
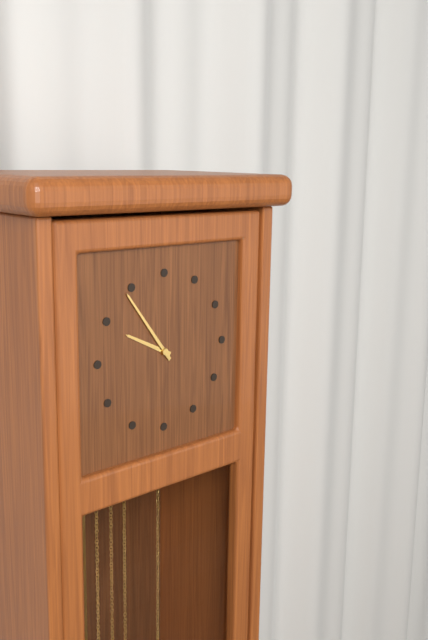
h=9 m=54
